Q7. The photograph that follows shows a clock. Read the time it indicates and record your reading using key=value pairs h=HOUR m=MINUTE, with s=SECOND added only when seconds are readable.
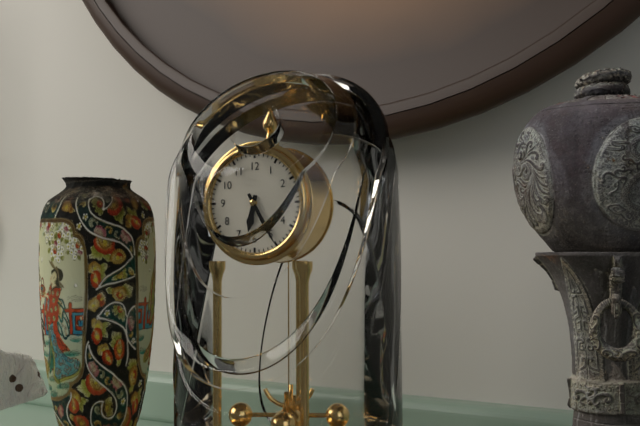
h=6 m=25
